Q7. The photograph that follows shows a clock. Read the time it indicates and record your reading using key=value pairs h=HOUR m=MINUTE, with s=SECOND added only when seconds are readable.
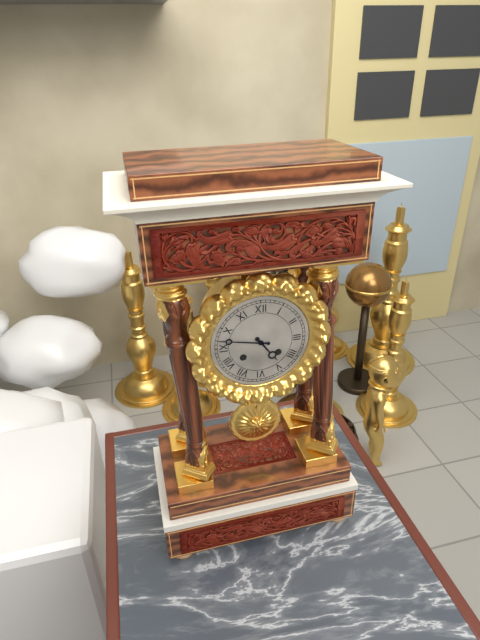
h=4 m=47
